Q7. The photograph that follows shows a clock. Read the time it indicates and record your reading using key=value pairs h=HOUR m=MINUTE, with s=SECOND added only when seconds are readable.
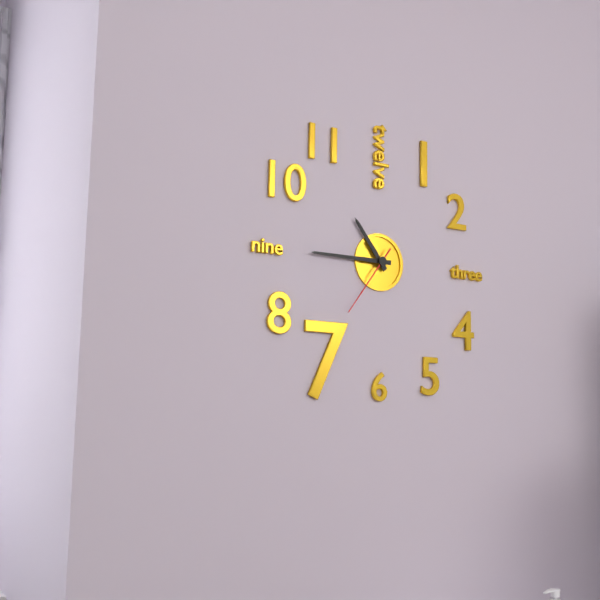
h=10 m=45 s=36
